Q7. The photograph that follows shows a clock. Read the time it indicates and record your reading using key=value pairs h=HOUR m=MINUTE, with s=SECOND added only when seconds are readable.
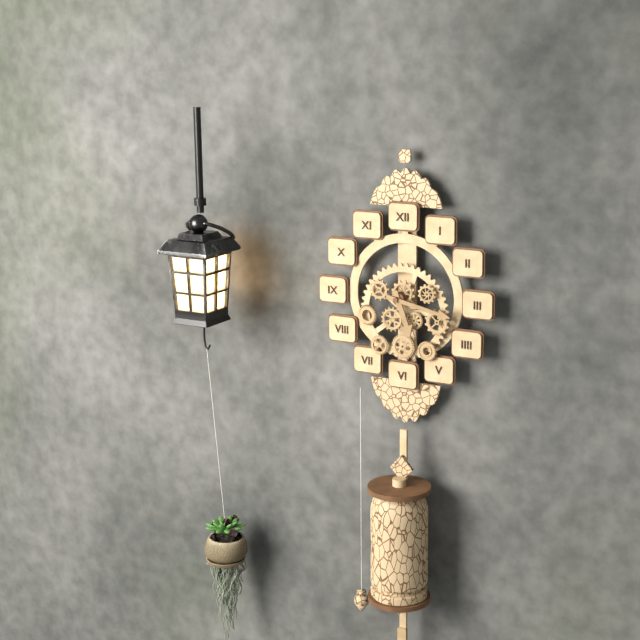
h=5 m=17
